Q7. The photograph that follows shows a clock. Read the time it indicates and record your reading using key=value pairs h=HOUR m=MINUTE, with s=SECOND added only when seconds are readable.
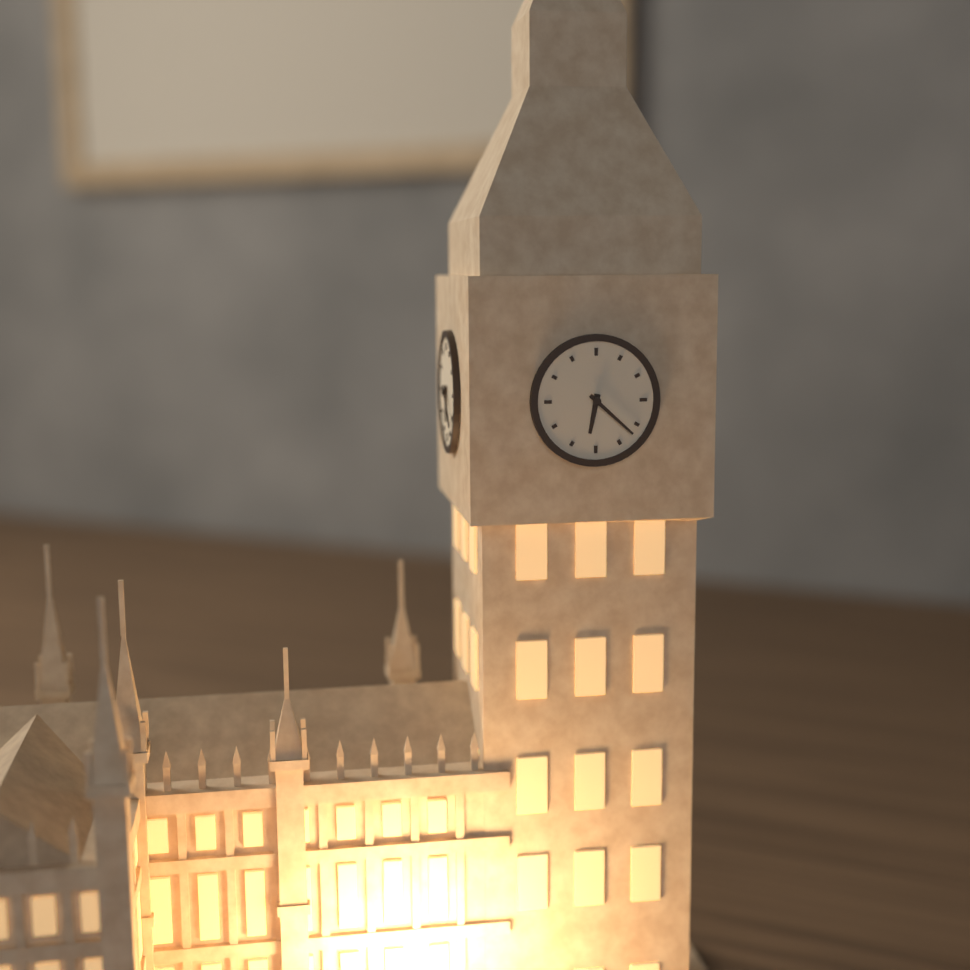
h=6 m=22
